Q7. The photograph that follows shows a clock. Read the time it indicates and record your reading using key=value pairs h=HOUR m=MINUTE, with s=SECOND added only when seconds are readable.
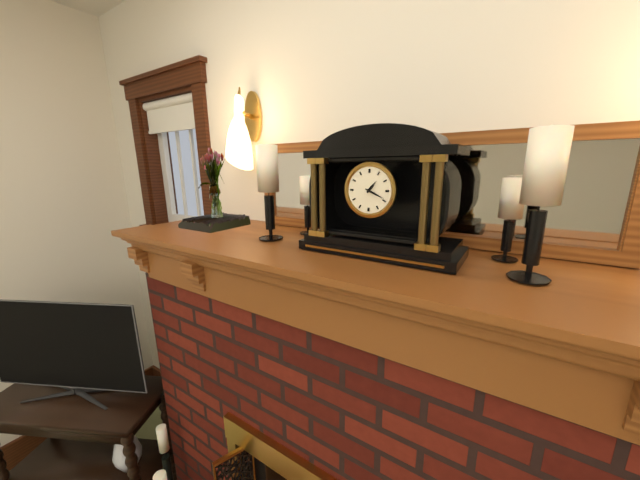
h=1 m=19
